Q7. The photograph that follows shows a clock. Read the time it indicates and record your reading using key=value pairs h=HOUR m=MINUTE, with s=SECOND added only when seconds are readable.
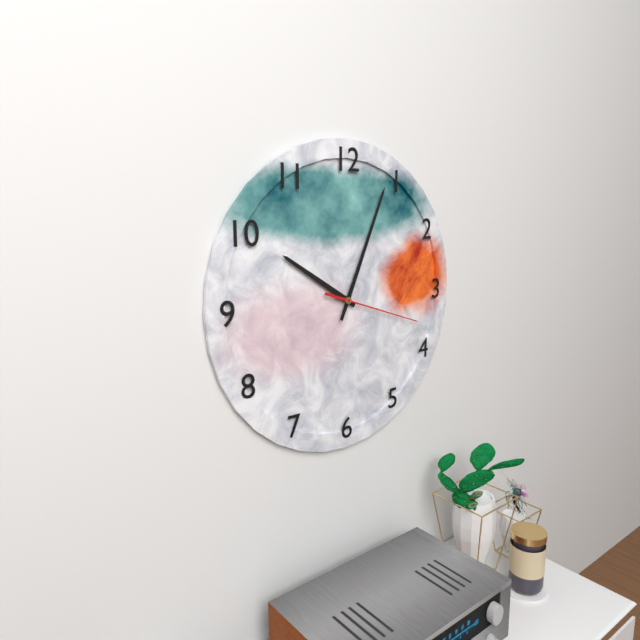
h=10 m=4 s=18
